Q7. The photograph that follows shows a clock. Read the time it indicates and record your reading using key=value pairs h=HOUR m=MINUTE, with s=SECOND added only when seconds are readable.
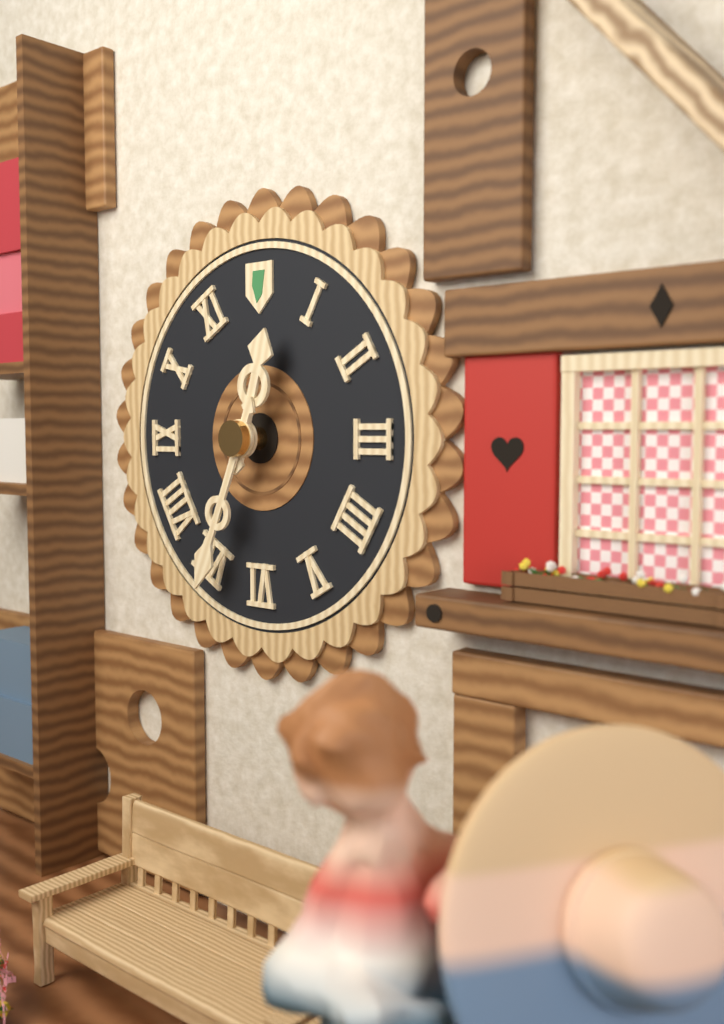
h=12 m=34
